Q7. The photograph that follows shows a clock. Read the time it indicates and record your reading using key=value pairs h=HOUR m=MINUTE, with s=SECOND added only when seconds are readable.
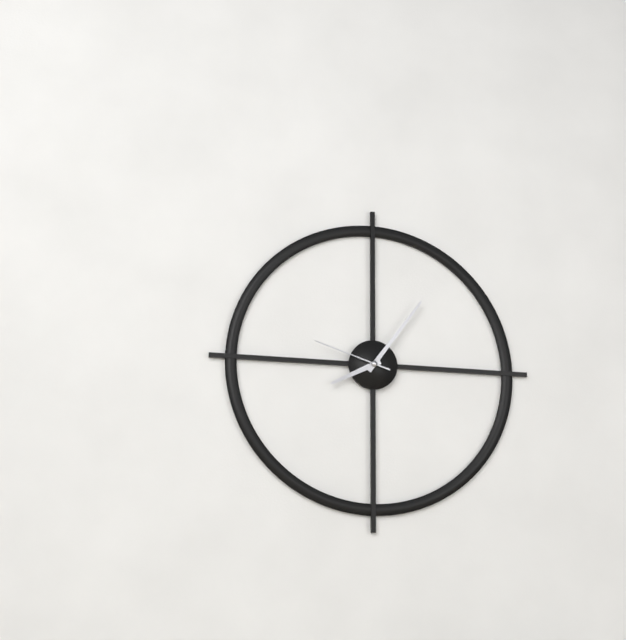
h=8 m=6 s=48
